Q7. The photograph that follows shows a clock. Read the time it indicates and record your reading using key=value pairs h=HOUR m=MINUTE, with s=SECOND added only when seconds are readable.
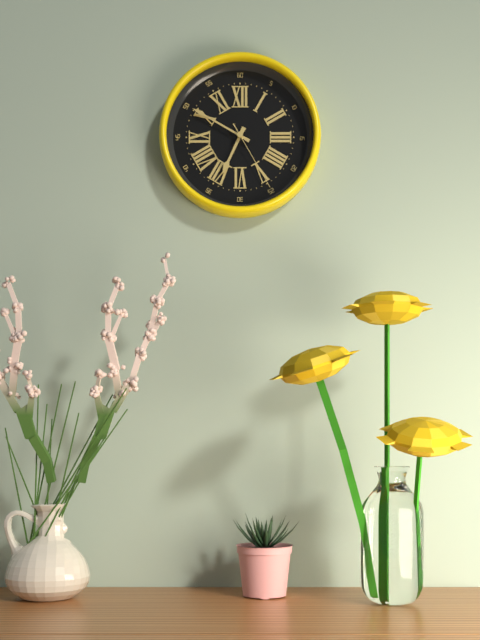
h=6 m=50 s=25
